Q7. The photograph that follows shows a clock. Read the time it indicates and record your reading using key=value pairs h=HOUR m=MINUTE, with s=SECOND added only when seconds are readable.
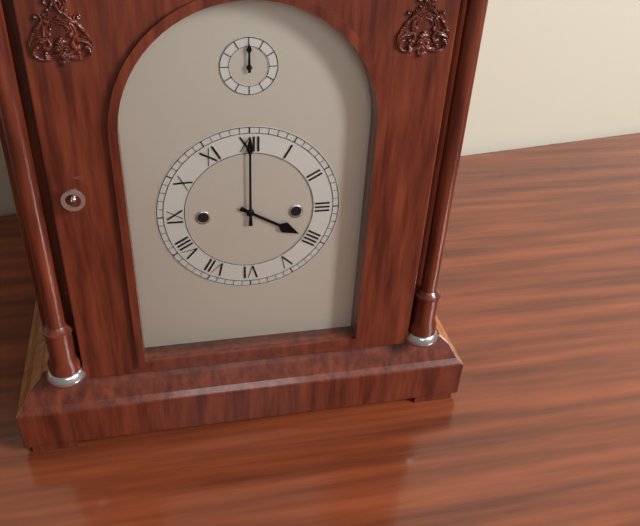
h=4 m=0
